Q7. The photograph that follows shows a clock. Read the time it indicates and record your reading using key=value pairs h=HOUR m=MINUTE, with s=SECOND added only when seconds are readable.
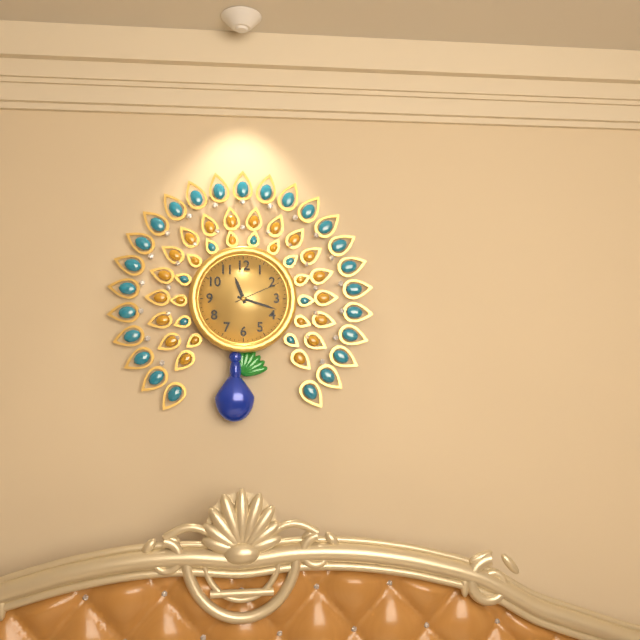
h=11 m=18
